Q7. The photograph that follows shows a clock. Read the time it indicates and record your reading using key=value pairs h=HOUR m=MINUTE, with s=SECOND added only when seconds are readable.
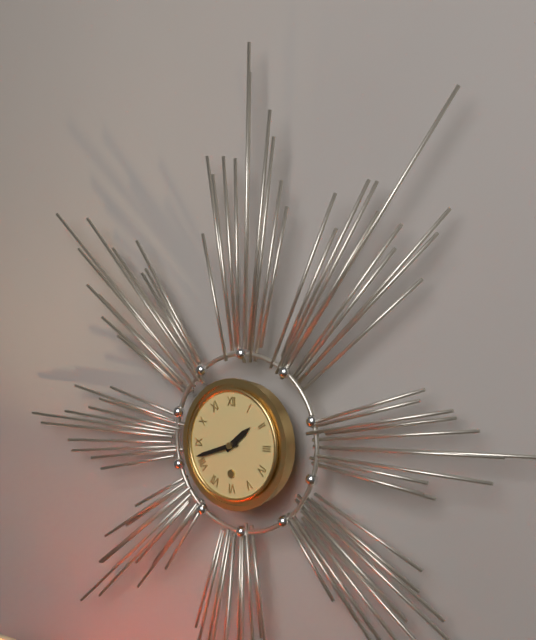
h=1 m=42
